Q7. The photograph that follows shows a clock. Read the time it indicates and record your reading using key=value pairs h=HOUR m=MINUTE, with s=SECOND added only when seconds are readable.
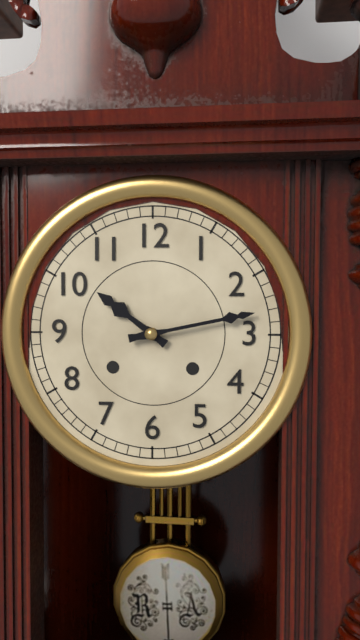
h=10 m=13
